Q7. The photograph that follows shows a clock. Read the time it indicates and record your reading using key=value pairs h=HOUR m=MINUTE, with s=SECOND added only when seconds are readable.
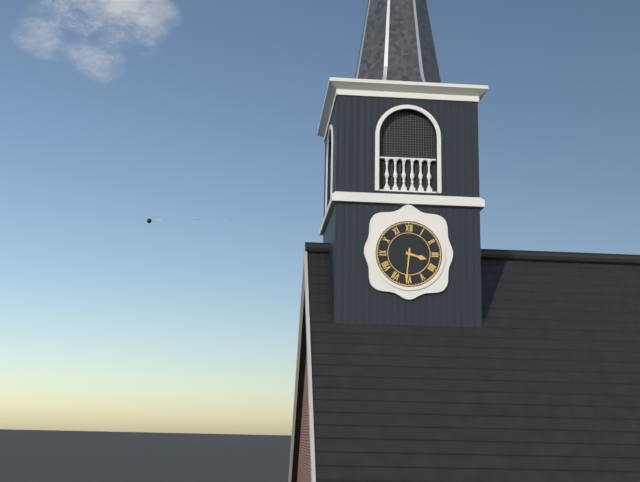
h=3 m=31
